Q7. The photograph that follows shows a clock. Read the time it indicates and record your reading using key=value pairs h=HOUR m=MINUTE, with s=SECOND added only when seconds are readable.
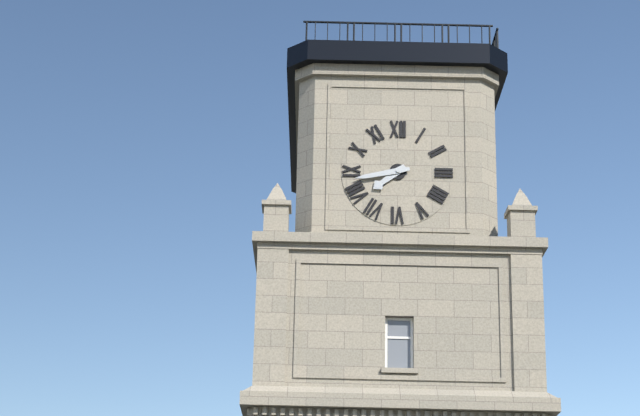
h=7 m=43
